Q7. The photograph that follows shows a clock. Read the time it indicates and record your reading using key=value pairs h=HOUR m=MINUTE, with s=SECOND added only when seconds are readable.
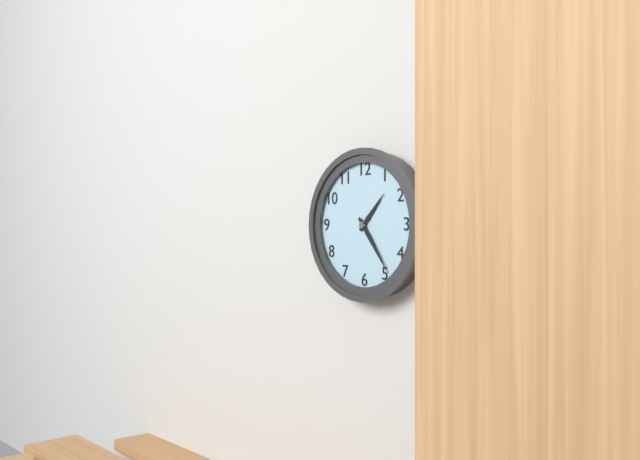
h=1 m=24
